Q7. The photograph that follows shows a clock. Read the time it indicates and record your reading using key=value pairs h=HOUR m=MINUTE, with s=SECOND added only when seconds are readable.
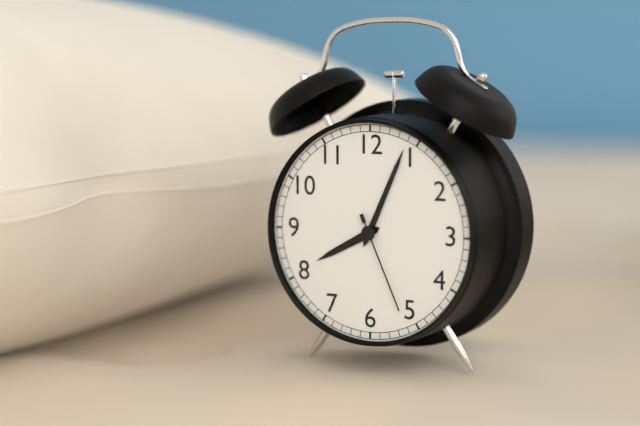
h=8 m=4 s=26
